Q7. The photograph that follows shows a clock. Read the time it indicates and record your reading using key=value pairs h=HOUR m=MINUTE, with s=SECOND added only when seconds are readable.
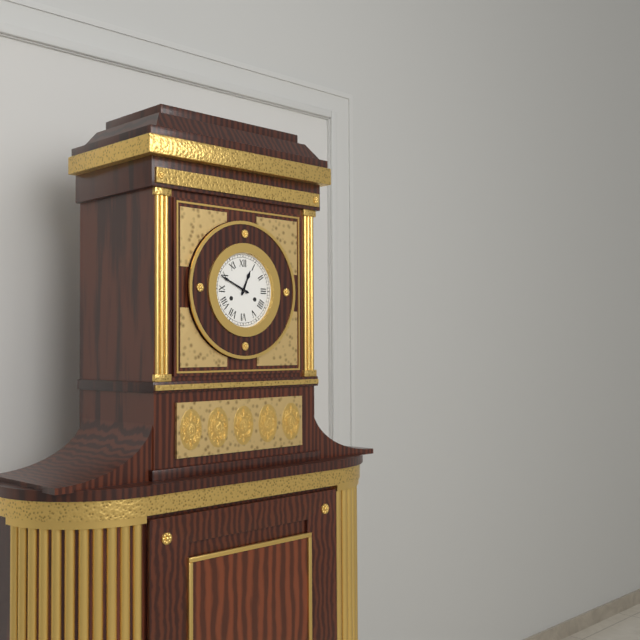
h=12 m=49
